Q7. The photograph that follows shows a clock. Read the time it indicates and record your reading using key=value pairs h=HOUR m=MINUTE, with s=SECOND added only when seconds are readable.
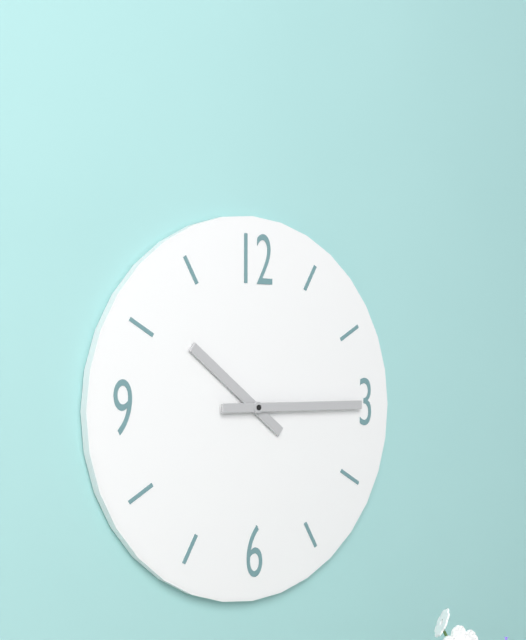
h=10 m=15
